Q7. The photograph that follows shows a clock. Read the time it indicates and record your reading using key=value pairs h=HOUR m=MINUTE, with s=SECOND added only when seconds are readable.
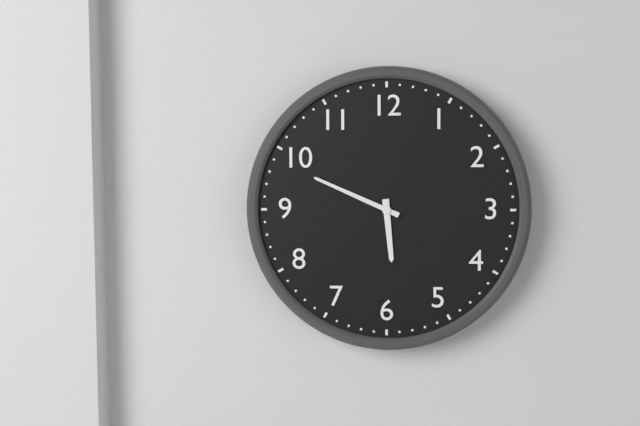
h=5 m=49
